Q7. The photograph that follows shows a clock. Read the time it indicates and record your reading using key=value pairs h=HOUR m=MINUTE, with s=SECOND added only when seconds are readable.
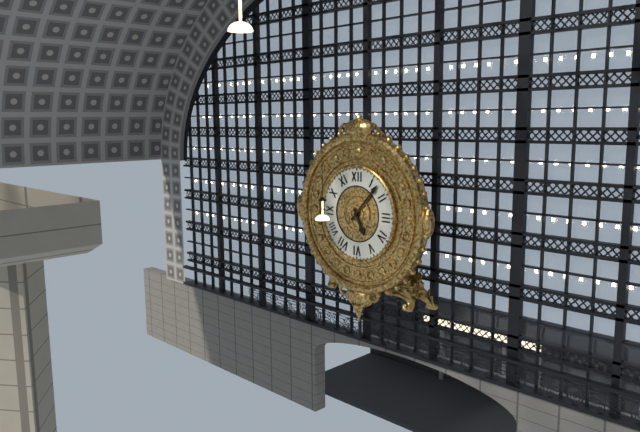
h=5 m=7
